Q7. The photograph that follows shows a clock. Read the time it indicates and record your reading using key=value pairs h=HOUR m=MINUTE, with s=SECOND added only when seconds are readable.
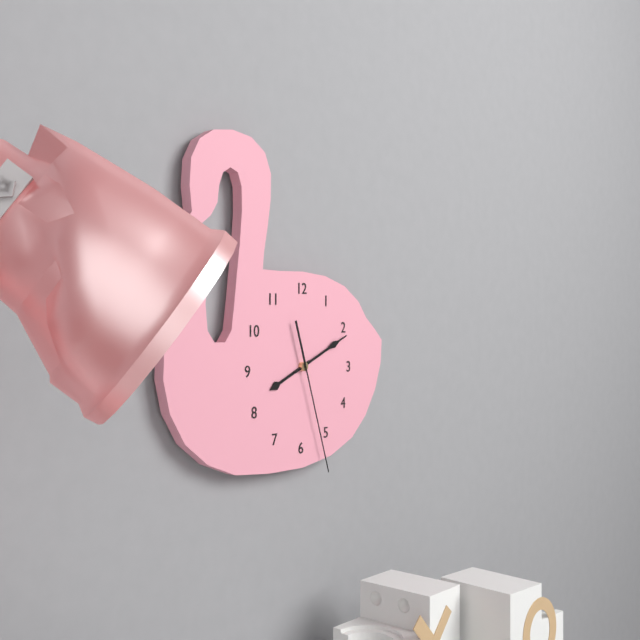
h=8 m=11 s=27
